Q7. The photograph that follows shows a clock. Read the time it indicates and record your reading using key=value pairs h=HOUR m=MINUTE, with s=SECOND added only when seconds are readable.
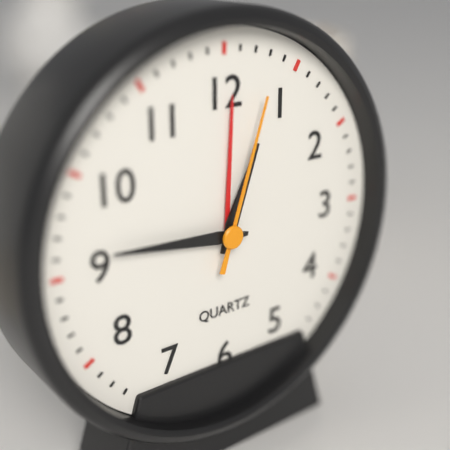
h=12 m=46 s=3
